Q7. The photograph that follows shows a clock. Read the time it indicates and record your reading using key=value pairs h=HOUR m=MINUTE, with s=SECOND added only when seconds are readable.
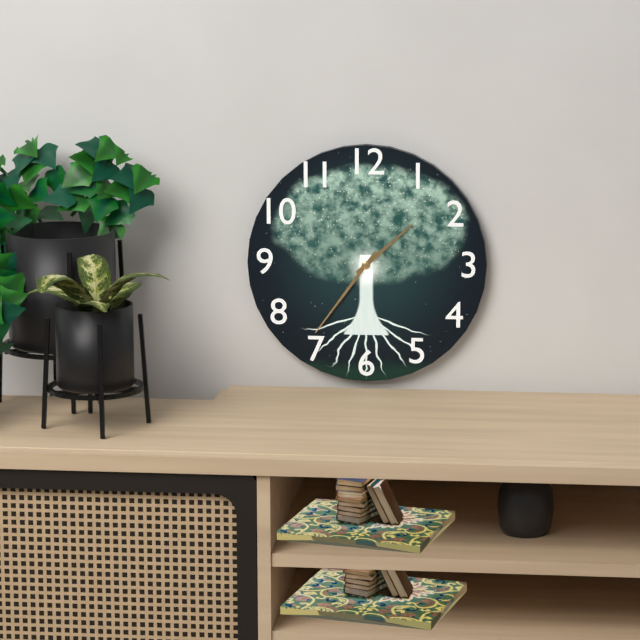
h=1 m=36
